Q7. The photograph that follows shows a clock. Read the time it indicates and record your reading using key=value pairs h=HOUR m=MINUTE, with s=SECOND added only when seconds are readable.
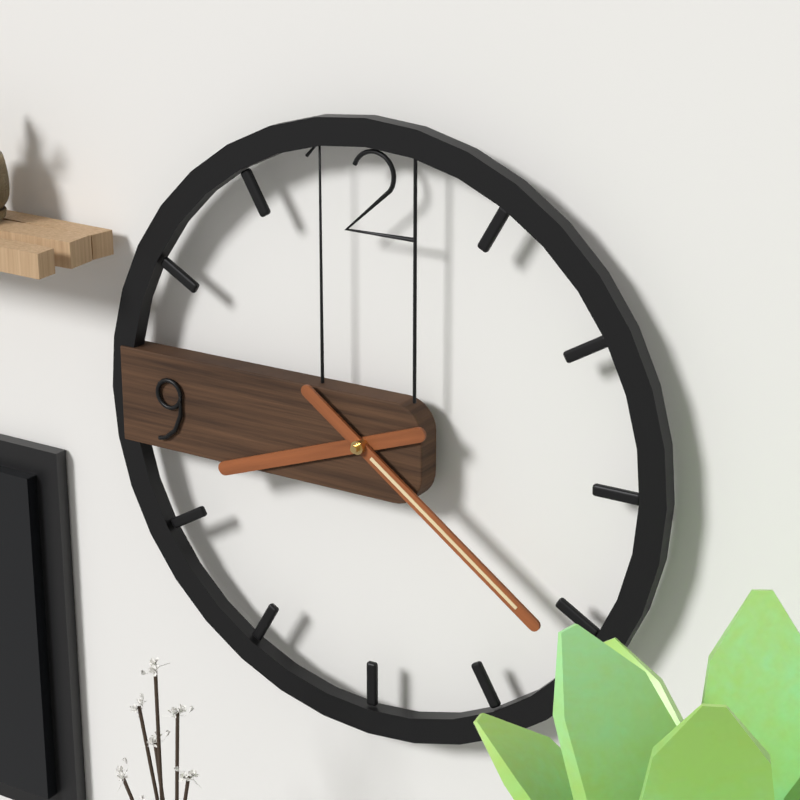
h=8 m=21
